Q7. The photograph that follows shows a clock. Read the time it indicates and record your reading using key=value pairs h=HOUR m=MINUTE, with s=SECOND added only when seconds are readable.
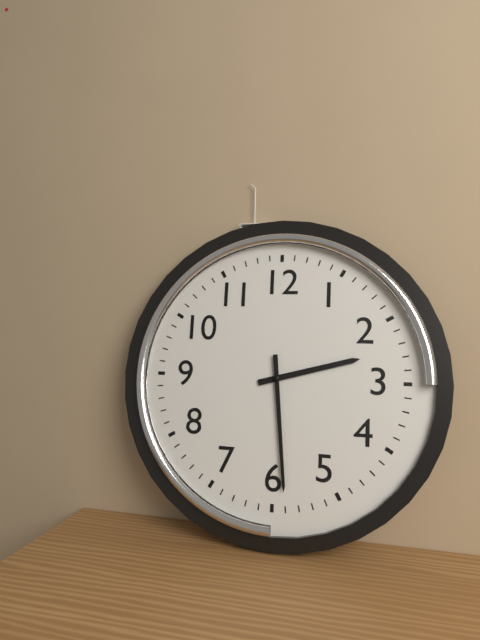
h=2 m=29
